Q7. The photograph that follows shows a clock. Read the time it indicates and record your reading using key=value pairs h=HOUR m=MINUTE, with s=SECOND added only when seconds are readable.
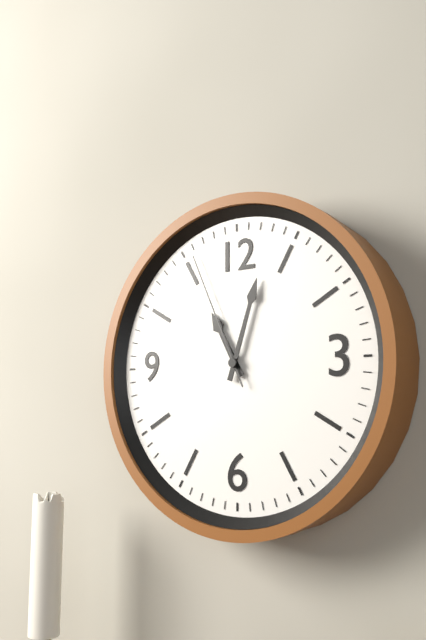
h=11 m=3 s=56
